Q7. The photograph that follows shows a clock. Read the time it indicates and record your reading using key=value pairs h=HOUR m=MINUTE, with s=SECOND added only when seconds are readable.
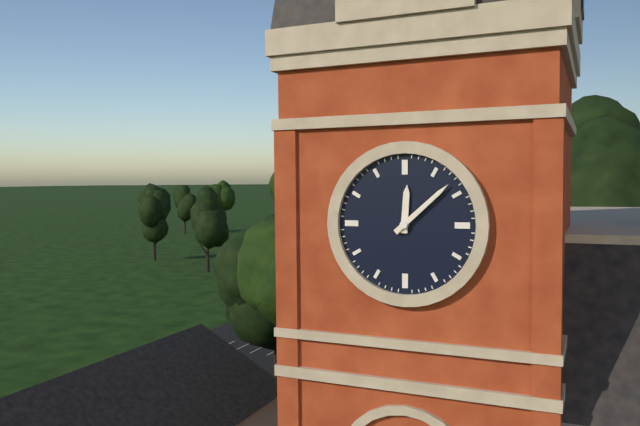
h=12 m=8
